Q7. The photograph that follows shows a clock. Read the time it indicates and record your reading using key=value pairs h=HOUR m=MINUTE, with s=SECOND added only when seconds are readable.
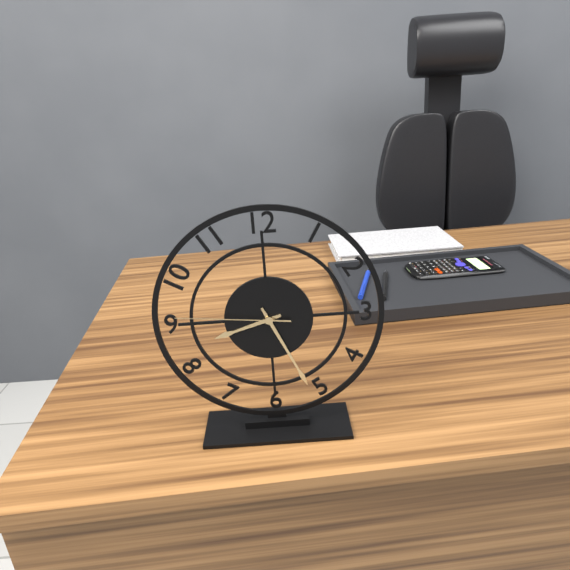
h=8 m=26 s=46
